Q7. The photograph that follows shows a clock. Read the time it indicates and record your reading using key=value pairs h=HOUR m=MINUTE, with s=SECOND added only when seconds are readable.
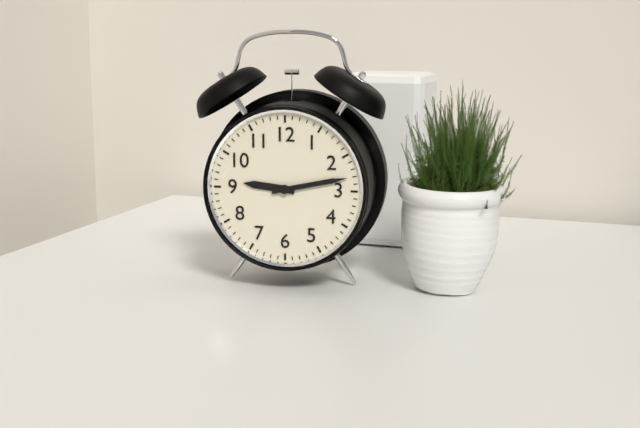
h=9 m=13
